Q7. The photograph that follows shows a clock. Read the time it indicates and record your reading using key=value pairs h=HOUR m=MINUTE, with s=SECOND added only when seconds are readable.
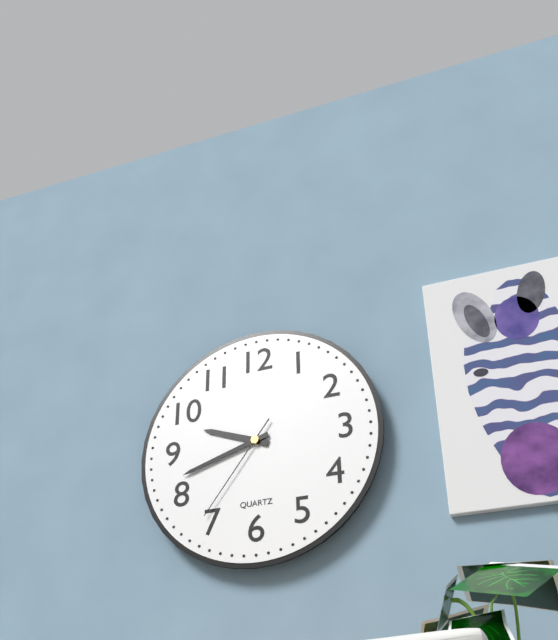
h=9 m=42 s=36
